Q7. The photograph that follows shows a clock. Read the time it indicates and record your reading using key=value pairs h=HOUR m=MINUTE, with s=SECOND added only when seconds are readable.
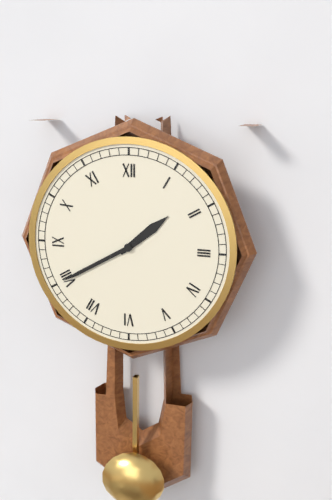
h=1 m=40
